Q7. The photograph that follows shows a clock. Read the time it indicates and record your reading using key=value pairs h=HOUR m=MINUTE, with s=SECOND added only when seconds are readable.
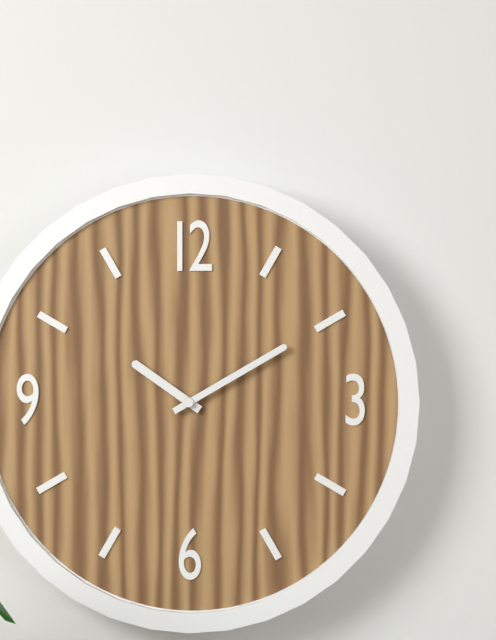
h=10 m=10
